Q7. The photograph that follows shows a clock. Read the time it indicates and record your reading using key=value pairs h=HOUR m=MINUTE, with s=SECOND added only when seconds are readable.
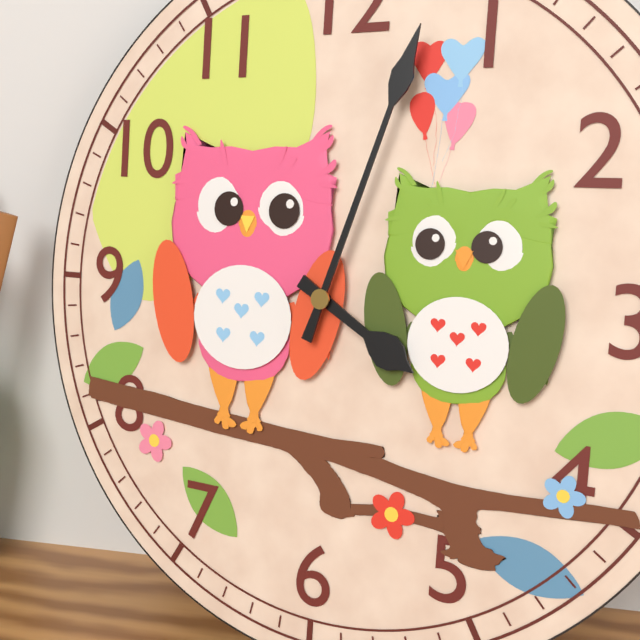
h=4 m=3
